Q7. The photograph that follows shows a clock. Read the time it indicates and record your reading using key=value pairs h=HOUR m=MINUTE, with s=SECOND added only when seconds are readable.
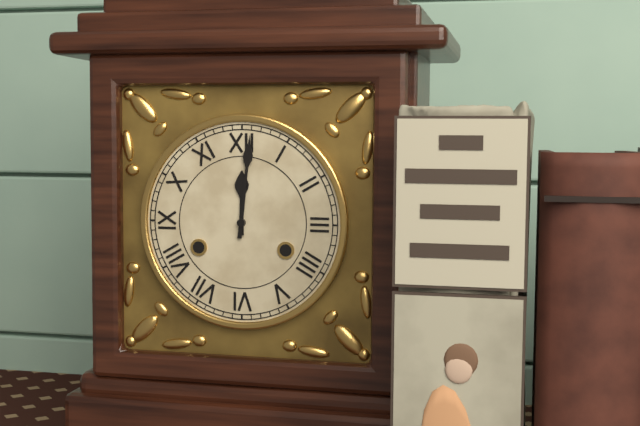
h=12 m=1
